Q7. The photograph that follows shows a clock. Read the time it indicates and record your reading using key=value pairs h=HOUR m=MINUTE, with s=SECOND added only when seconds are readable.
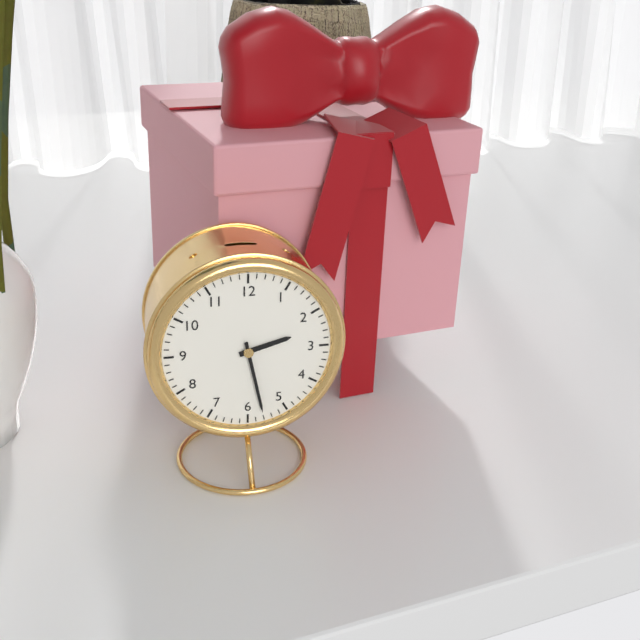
h=2 m=28
